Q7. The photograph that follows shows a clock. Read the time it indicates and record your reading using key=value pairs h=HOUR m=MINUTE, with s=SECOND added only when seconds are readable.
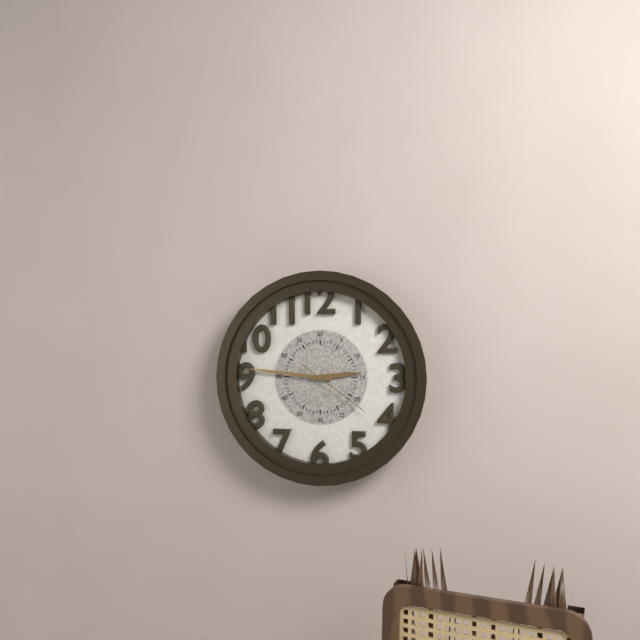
h=2 m=46 s=21
